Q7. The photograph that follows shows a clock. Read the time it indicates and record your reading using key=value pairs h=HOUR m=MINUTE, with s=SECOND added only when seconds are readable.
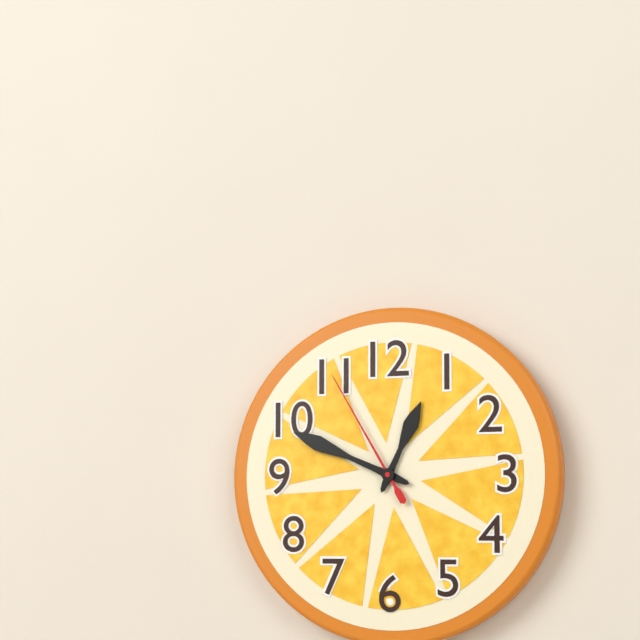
h=12 m=49 s=55
